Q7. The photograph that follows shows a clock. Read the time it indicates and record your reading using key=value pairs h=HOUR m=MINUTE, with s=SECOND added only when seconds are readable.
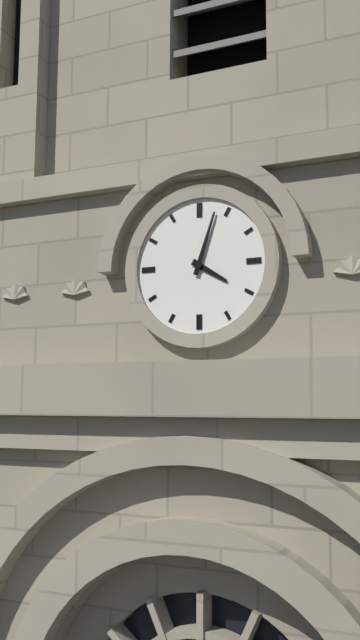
h=4 m=3
